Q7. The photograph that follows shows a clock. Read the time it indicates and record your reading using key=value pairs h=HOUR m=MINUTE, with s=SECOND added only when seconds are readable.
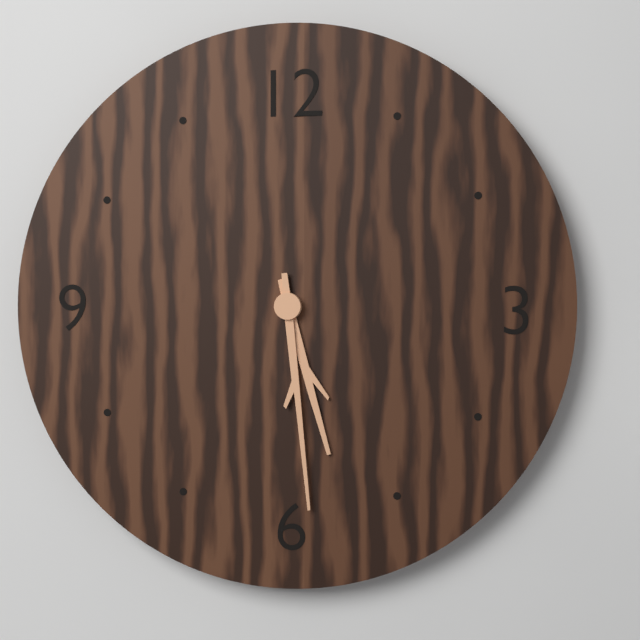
h=5 m=29
